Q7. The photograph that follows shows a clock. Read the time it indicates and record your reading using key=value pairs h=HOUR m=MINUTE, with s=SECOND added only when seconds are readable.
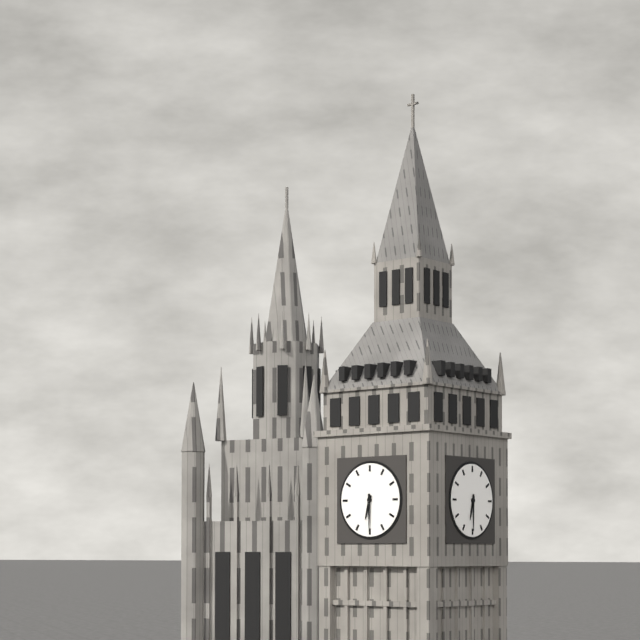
h=6 m=30
